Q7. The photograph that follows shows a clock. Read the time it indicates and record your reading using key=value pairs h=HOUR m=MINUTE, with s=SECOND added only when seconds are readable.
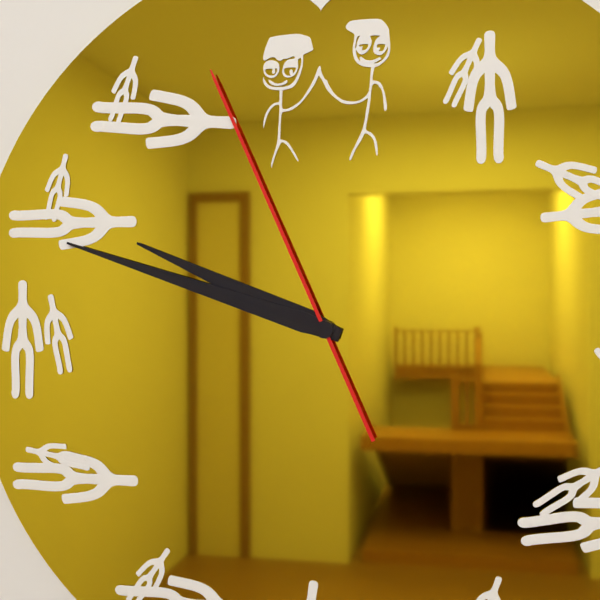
h=9 m=48 s=56
